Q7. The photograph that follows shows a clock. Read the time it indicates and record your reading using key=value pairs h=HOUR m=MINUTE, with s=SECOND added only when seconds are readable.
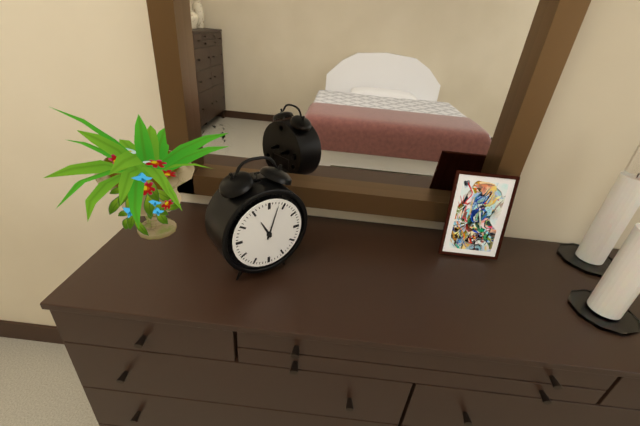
h=11 m=3
